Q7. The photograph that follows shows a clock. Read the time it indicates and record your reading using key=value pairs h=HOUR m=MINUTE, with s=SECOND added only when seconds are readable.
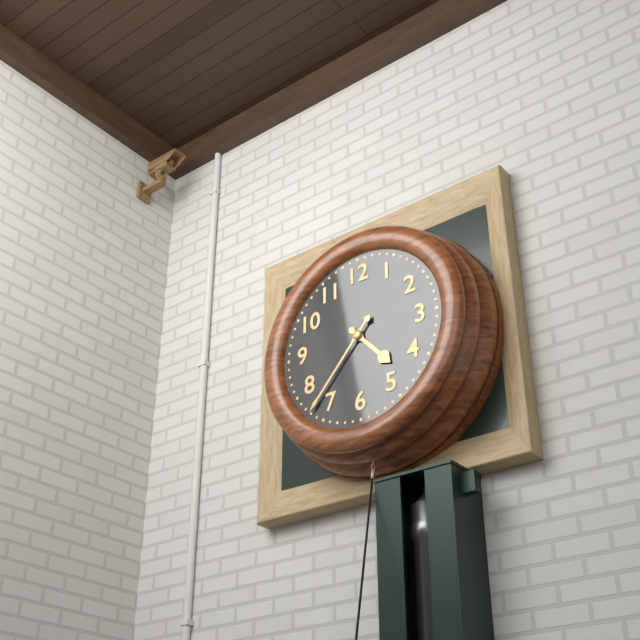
h=4 m=37
